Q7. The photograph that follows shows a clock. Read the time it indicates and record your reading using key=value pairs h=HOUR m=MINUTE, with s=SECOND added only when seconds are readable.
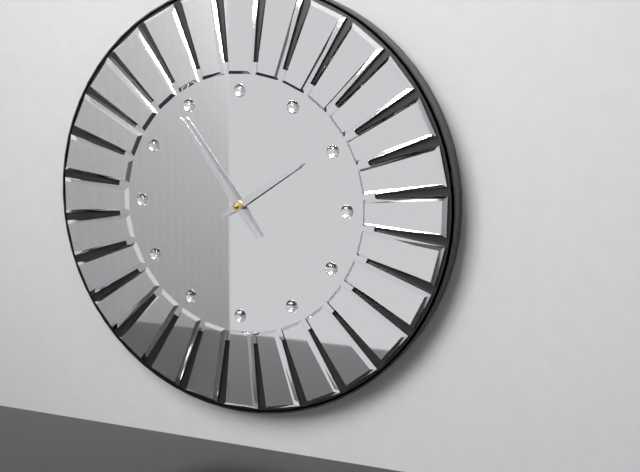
h=1 m=54
